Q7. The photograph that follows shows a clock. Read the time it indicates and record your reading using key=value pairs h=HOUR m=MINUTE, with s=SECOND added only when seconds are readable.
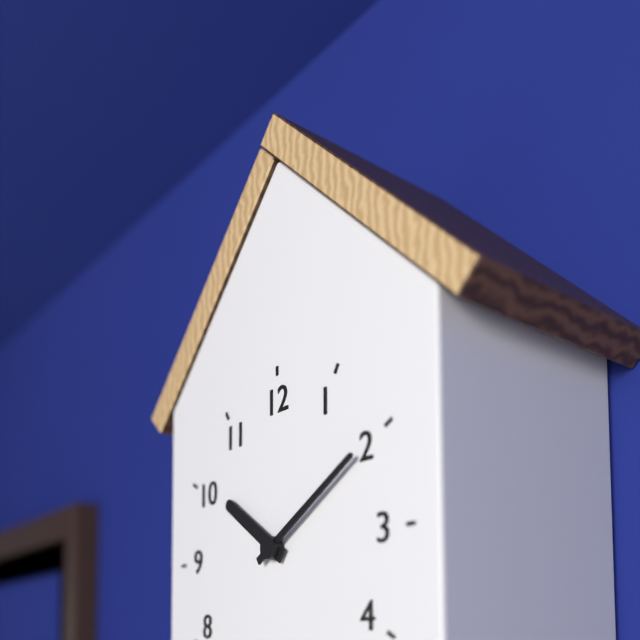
h=10 m=10
